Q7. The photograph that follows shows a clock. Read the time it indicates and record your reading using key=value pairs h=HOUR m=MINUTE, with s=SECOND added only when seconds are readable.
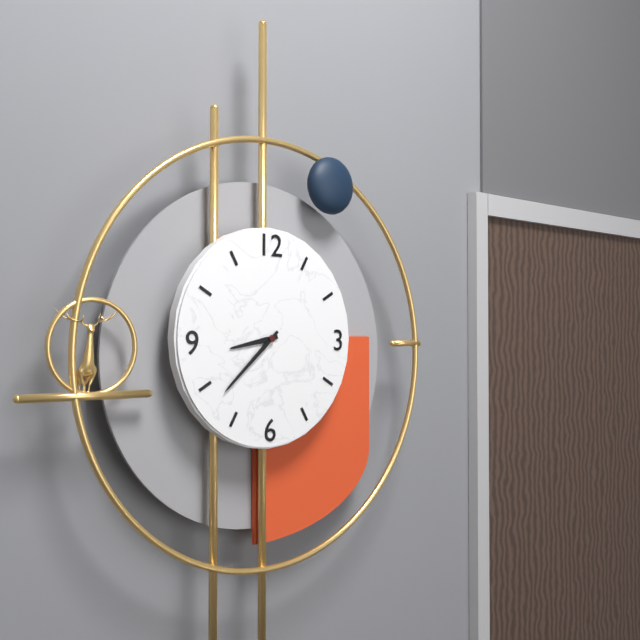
h=8 m=38
